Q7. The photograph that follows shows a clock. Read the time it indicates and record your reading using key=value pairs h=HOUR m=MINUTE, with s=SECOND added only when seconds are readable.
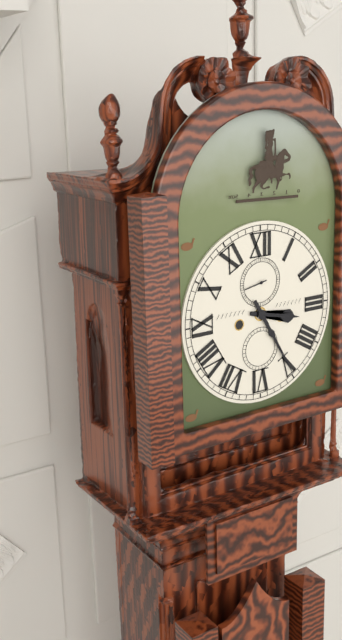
h=3 m=25
